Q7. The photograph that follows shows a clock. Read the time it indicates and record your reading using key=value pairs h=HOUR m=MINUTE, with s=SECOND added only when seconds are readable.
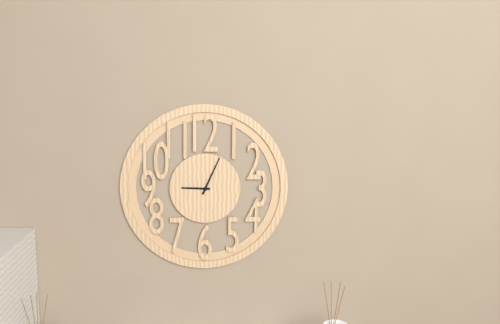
h=9 m=4
